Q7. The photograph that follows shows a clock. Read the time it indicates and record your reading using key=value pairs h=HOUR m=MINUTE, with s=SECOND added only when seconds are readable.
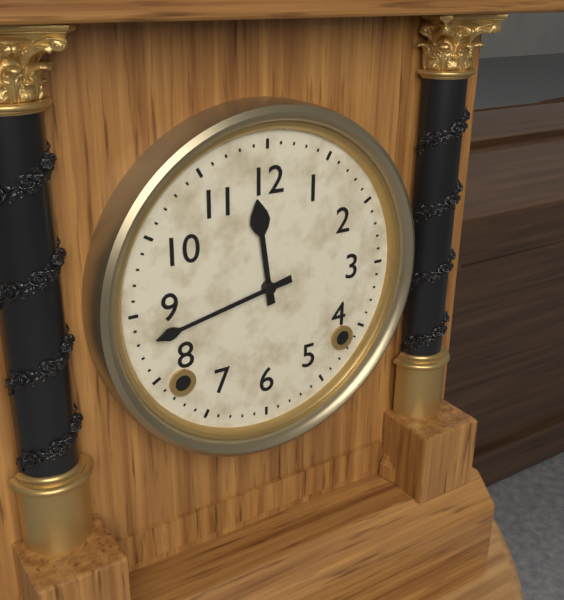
h=11 m=43
